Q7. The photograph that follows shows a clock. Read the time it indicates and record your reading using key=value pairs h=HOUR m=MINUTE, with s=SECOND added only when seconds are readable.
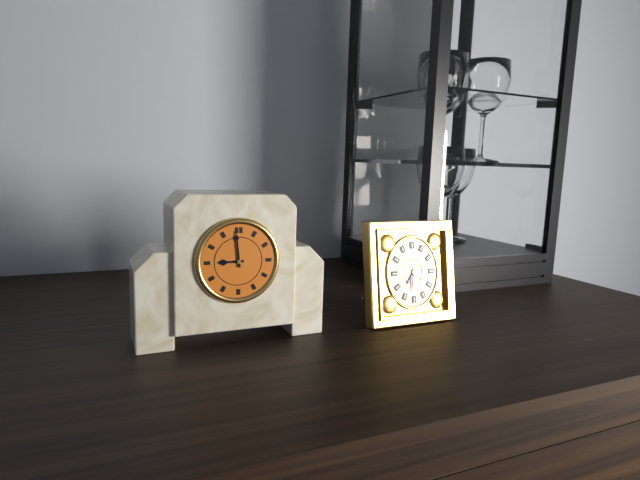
h=8 m=59
